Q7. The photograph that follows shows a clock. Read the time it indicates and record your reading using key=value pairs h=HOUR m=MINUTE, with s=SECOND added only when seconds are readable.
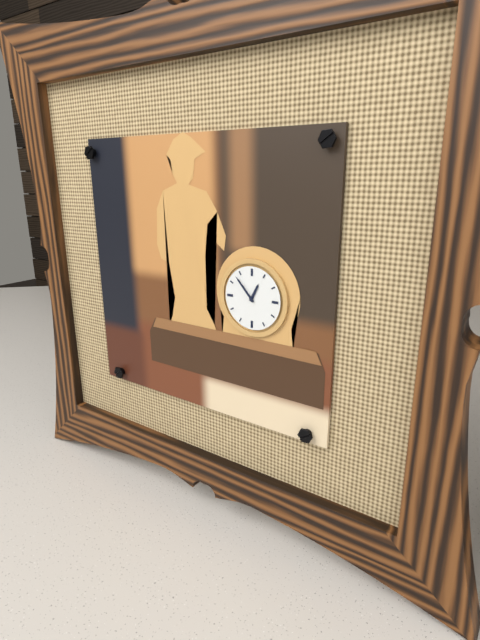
h=12 m=53
